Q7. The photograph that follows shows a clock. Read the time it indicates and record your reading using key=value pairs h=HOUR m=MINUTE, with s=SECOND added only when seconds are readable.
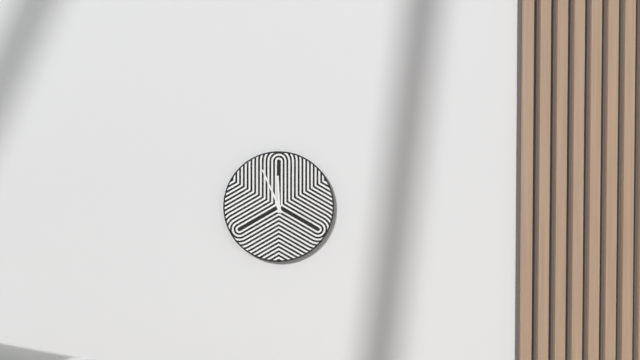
h=11 m=56
